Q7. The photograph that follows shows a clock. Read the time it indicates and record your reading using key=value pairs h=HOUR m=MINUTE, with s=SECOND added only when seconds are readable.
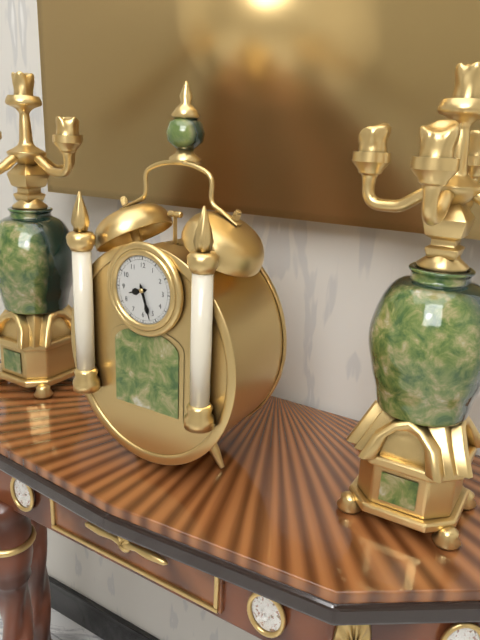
h=8 m=27
